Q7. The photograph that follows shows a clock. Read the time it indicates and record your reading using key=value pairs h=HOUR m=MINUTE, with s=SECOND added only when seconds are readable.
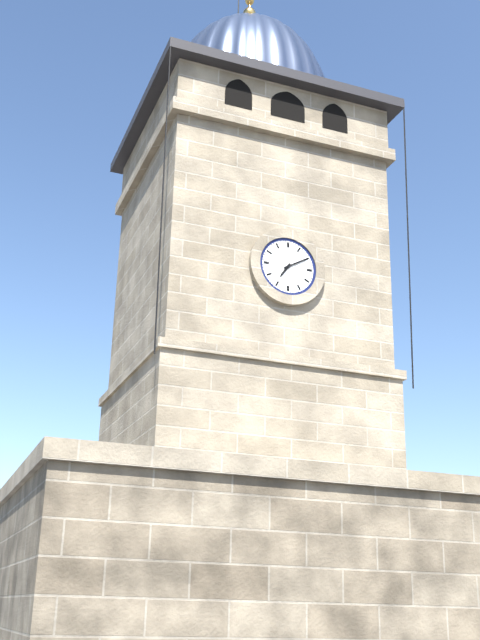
h=7 m=10
